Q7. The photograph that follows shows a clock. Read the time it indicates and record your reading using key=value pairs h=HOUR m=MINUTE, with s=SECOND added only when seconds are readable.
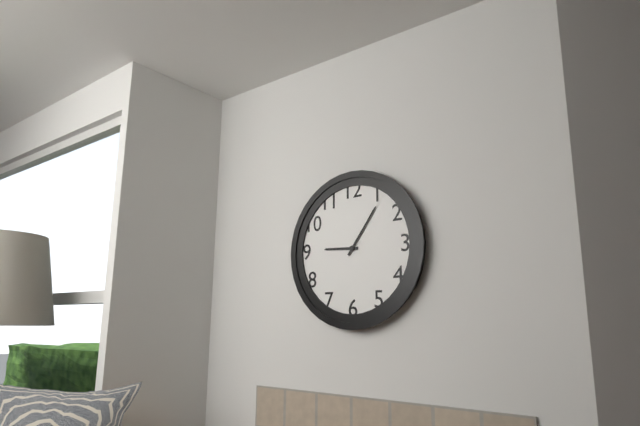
h=9 m=6
